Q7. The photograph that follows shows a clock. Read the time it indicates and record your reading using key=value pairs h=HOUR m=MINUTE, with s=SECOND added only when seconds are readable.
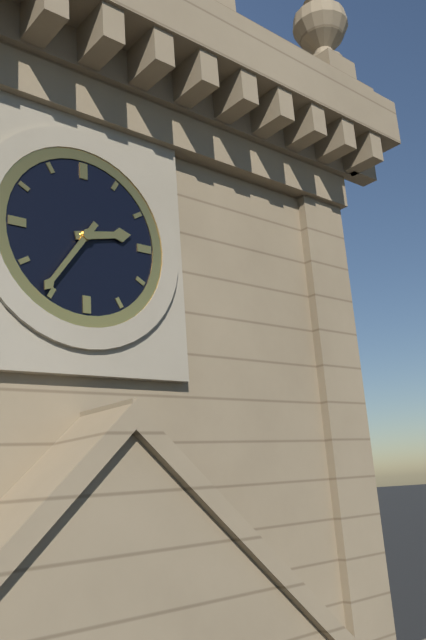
h=2 m=36
